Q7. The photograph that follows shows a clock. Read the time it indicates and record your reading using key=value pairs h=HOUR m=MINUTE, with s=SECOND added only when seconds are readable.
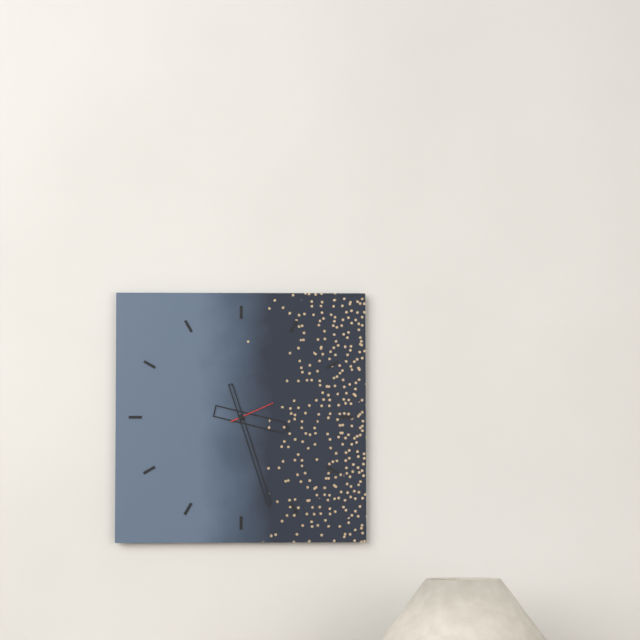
h=3 m=27
